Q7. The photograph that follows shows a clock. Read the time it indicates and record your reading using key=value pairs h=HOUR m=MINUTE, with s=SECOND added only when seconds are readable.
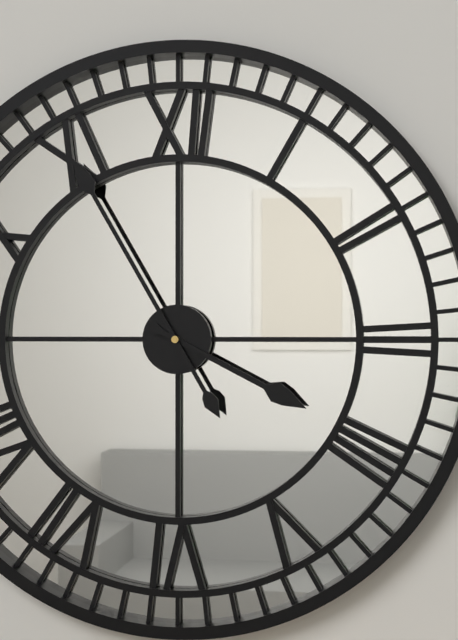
h=3 m=55
